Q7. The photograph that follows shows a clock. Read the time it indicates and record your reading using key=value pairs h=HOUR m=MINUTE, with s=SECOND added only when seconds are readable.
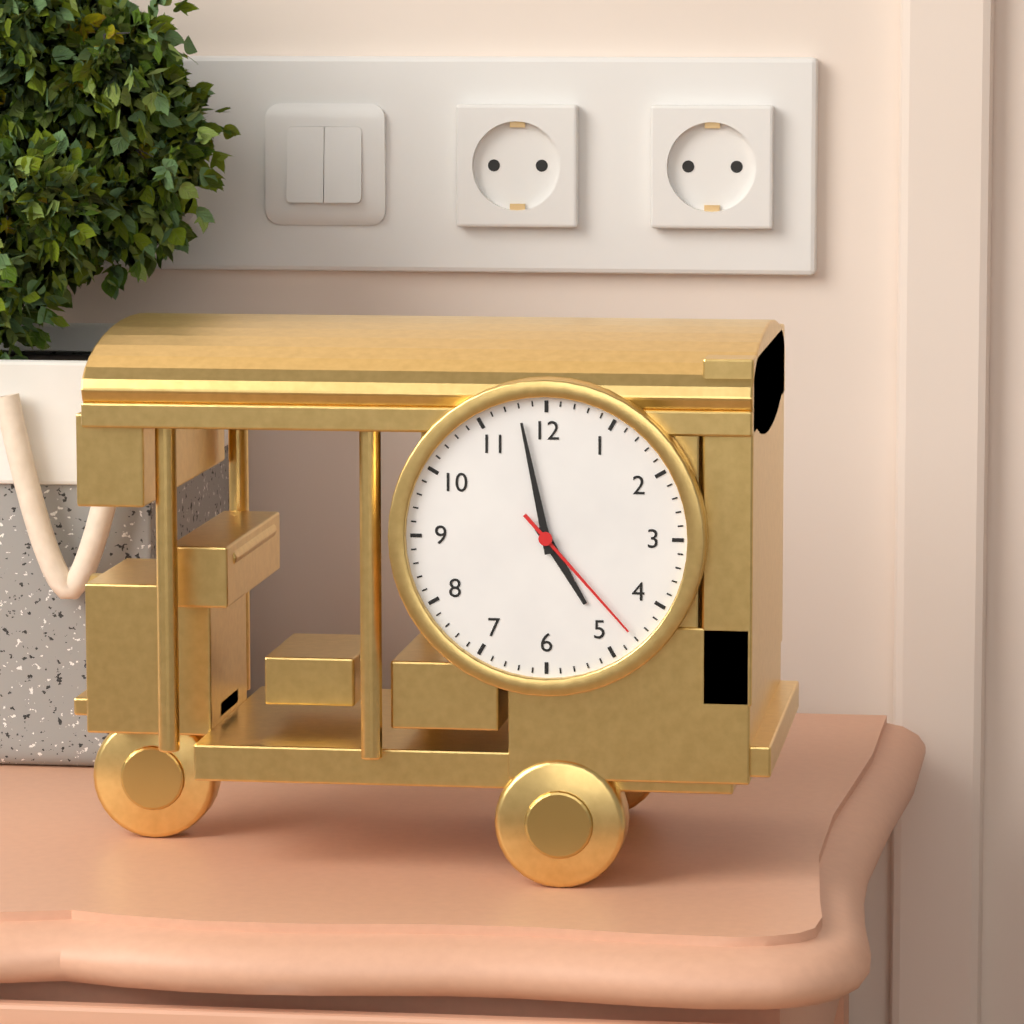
h=4 m=58 s=23
